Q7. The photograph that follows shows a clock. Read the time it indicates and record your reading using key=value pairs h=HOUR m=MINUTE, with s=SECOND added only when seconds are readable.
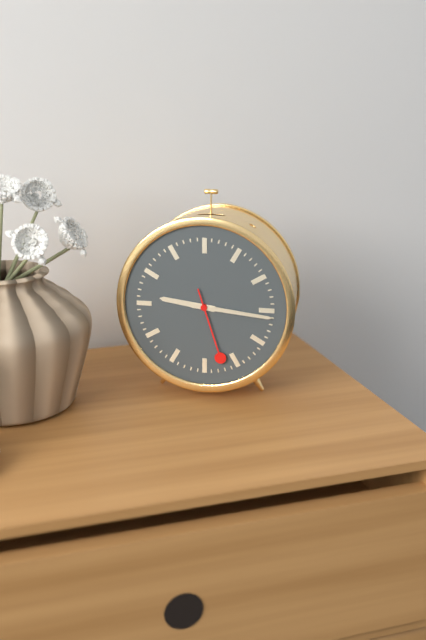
h=9 m=16 s=27
